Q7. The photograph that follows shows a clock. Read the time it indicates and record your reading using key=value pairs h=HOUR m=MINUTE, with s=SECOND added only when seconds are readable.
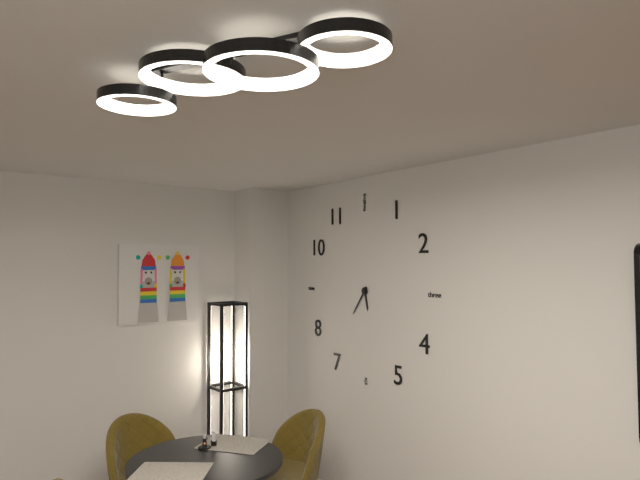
h=5 m=36
